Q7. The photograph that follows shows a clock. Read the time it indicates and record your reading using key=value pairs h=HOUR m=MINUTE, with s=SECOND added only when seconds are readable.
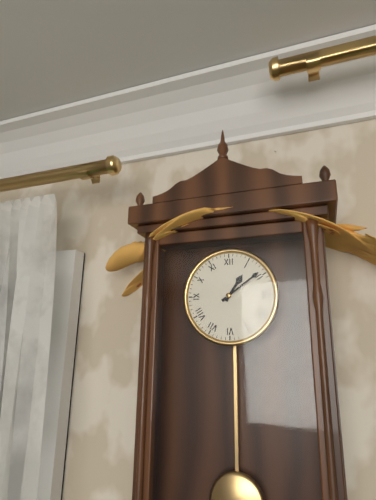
h=1 m=9
